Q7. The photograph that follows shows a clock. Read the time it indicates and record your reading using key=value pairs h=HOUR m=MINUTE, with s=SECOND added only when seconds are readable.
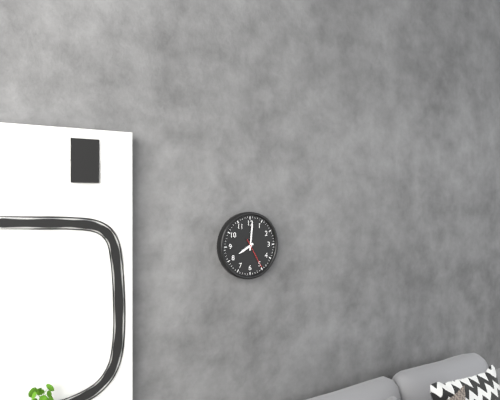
h=8 m=1
